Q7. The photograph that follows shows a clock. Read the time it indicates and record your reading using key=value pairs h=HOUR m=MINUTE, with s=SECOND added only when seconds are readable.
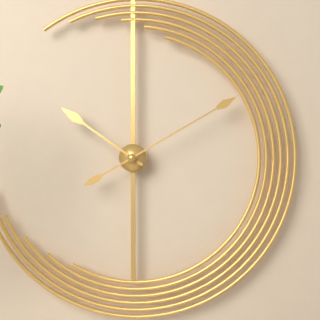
h=10 m=10
